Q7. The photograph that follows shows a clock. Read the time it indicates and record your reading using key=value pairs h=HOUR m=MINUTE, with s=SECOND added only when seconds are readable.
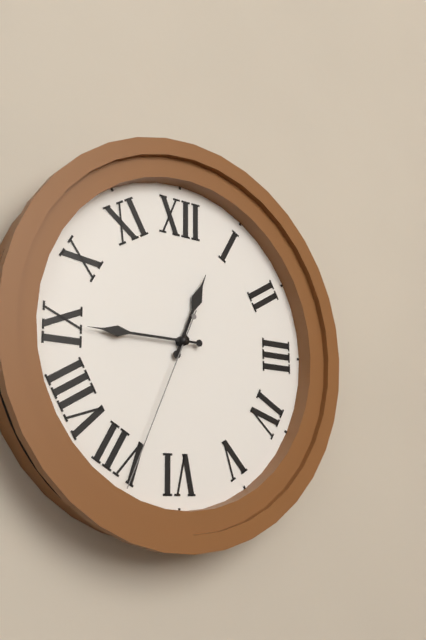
h=12 m=45 s=34
